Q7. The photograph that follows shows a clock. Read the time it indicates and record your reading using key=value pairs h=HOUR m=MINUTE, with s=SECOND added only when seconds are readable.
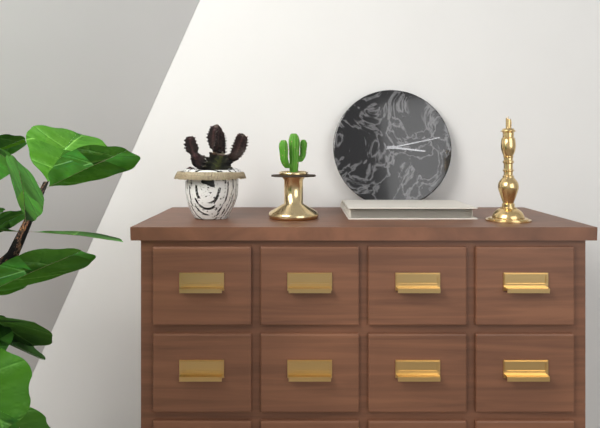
h=3 m=13
